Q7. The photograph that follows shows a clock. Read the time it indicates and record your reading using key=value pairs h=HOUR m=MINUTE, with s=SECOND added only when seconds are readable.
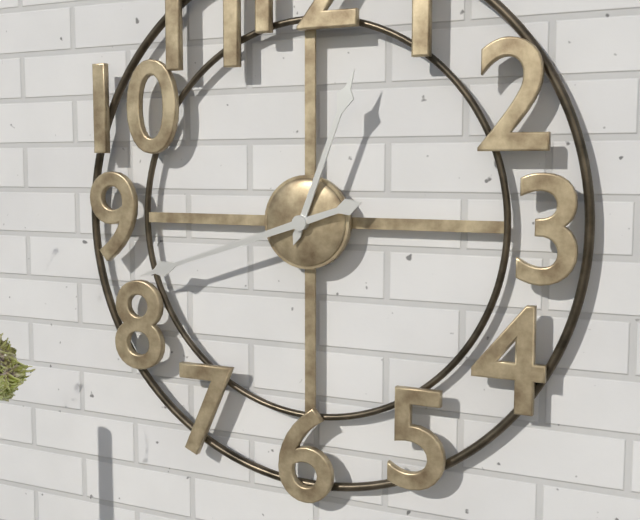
h=12 m=42
